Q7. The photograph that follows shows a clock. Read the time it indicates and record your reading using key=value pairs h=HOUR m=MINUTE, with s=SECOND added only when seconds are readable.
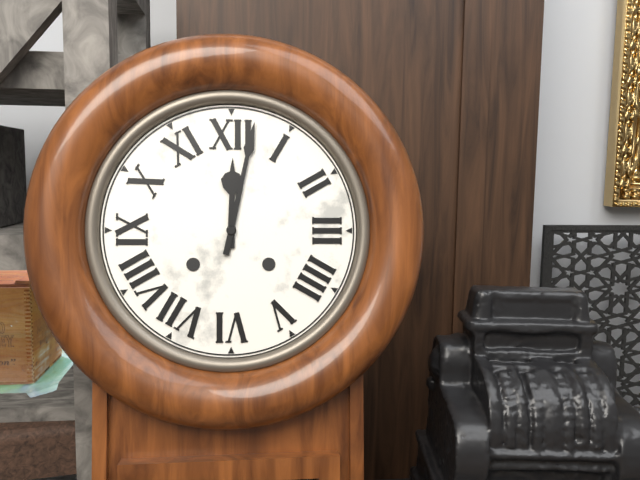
h=12 m=2
